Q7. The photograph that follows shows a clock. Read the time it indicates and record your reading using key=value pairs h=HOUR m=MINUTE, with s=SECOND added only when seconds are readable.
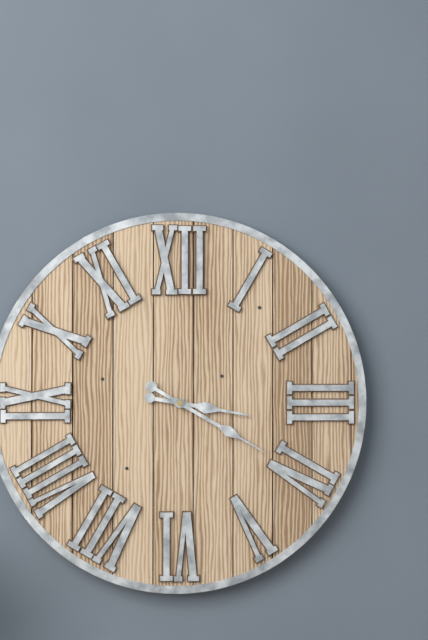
h=3 m=20
